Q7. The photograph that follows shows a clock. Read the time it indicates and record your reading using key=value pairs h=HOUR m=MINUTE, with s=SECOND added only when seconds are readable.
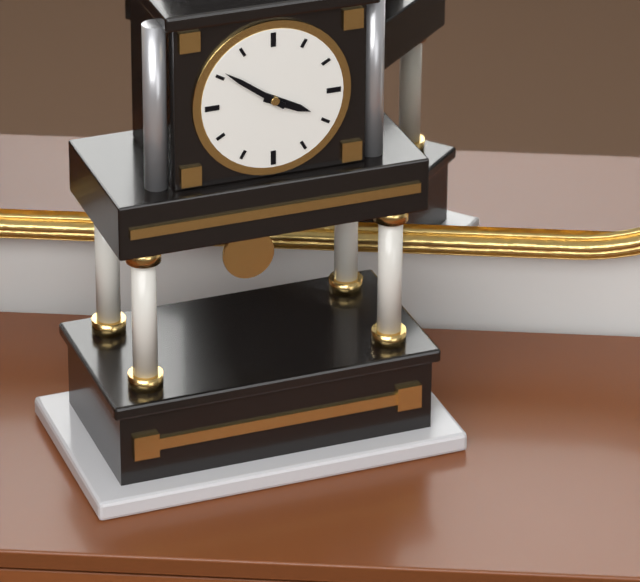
h=3 m=51
